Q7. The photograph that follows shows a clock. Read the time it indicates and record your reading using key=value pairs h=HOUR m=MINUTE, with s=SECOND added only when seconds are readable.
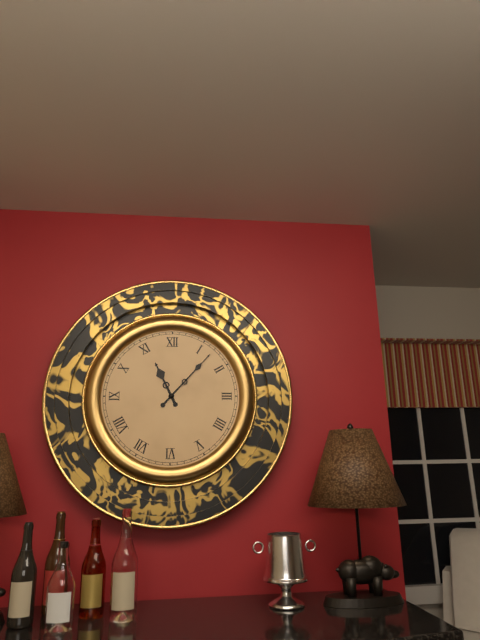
h=11 m=7
